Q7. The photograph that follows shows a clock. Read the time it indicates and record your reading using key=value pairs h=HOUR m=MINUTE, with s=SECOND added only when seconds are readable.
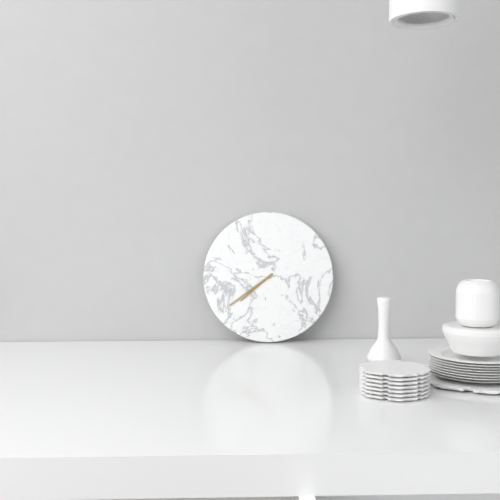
h=7 m=39
